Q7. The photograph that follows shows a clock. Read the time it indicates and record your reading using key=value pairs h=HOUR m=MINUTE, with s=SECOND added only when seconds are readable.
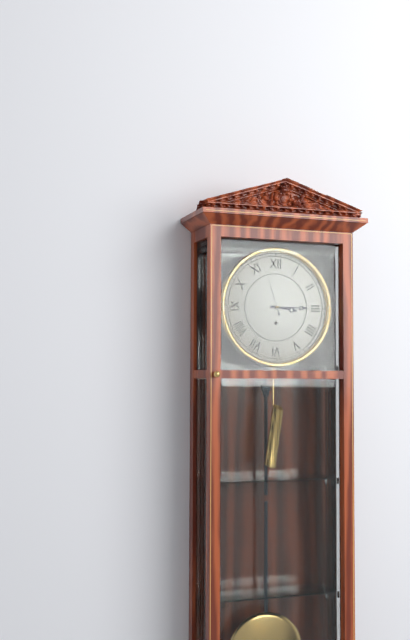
h=3 m=15
